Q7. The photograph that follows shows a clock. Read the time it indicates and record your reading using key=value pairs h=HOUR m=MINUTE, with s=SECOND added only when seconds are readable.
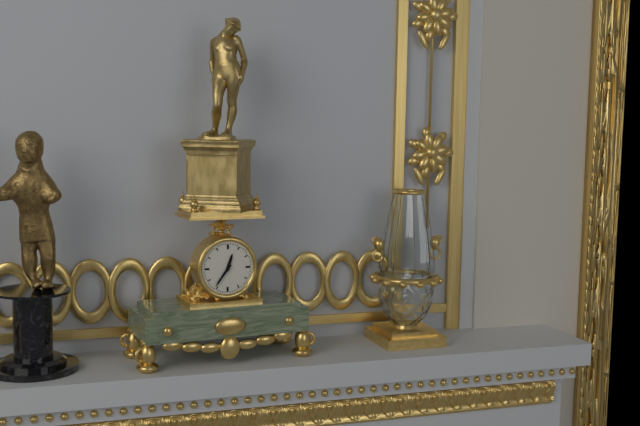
h=12 m=36
